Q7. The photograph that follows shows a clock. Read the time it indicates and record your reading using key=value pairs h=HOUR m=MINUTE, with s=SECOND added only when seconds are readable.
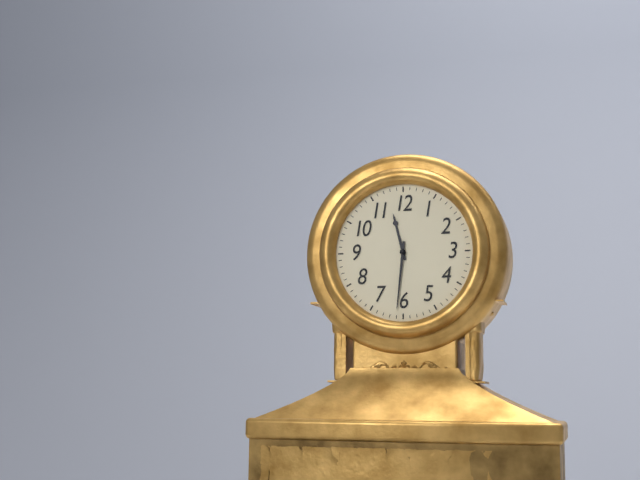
h=11 m=31
